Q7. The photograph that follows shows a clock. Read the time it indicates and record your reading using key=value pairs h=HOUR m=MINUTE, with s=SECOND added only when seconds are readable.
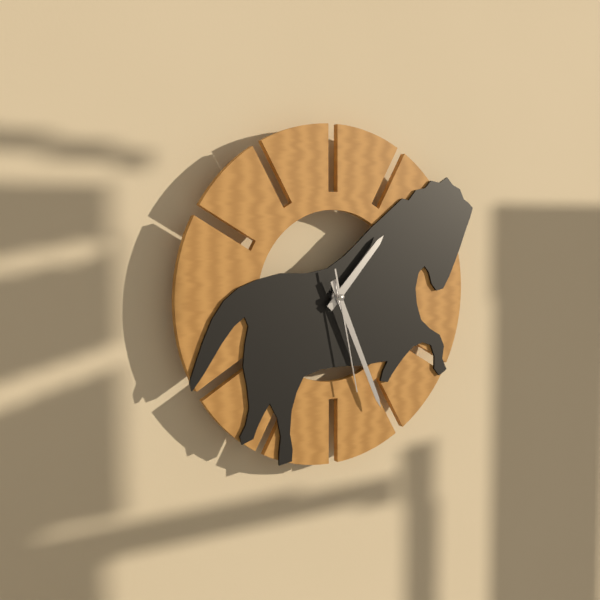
h=1 m=26 s=28
